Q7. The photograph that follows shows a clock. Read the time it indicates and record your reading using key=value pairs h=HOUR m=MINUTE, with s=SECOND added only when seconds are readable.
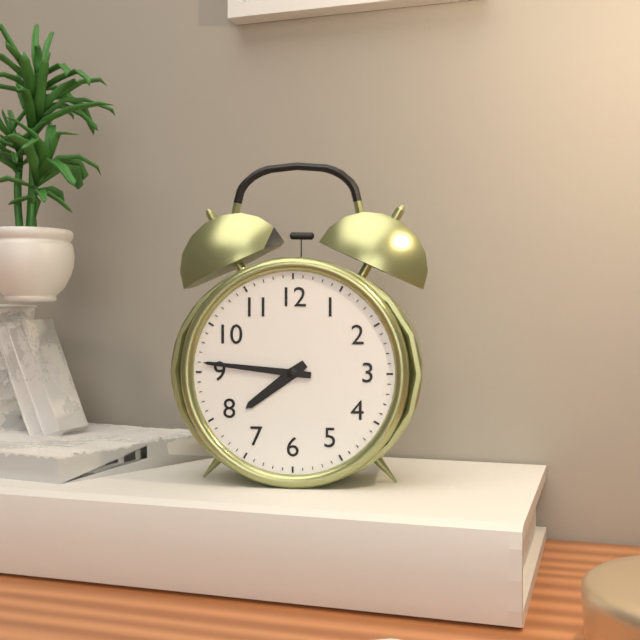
h=7 m=46
